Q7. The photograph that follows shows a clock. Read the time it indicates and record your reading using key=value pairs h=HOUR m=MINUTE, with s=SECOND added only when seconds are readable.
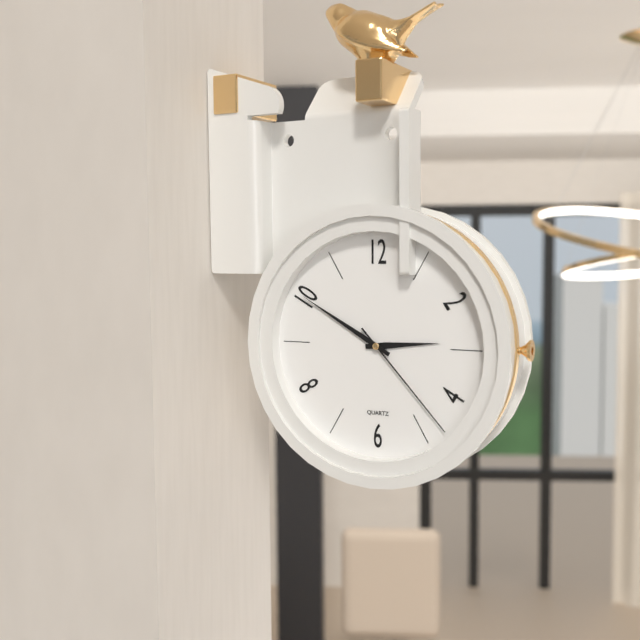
h=2 m=50 s=23
